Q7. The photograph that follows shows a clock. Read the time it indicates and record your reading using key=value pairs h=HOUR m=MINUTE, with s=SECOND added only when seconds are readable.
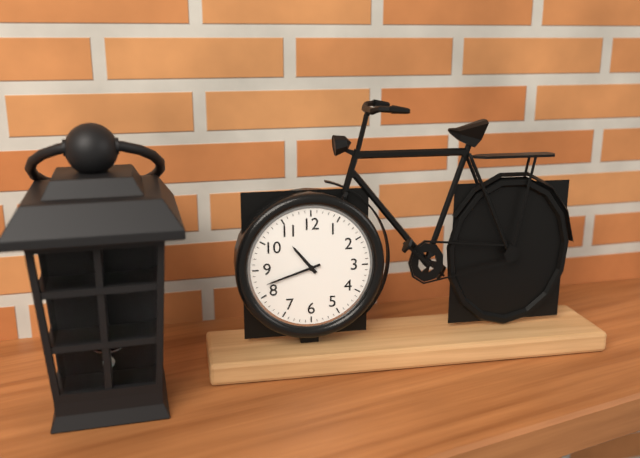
h=10 m=42
